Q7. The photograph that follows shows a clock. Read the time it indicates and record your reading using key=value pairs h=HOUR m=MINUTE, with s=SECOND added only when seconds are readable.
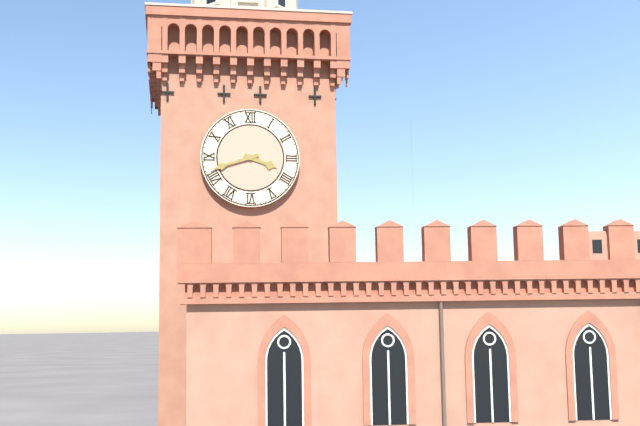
h=3 m=42
